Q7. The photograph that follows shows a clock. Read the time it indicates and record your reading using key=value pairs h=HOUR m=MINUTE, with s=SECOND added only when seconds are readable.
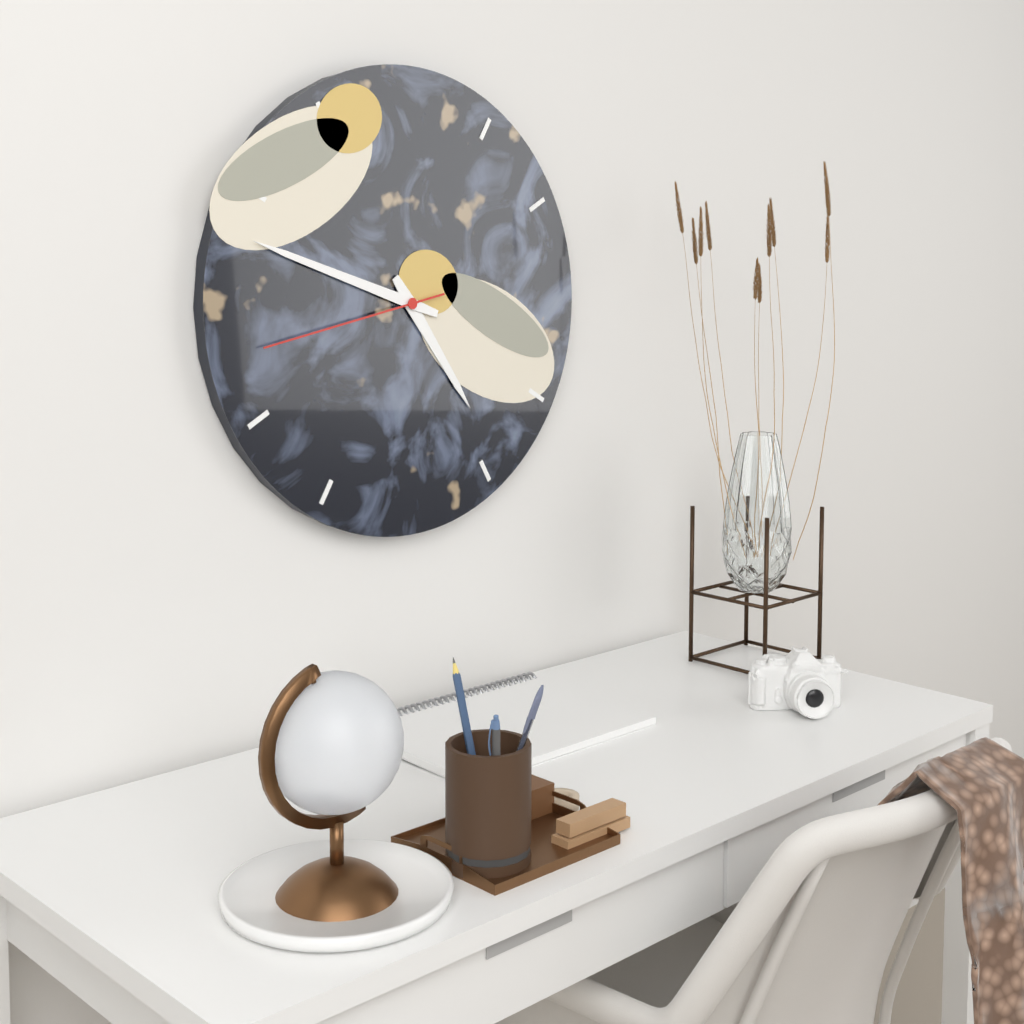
h=4 m=48 s=43
